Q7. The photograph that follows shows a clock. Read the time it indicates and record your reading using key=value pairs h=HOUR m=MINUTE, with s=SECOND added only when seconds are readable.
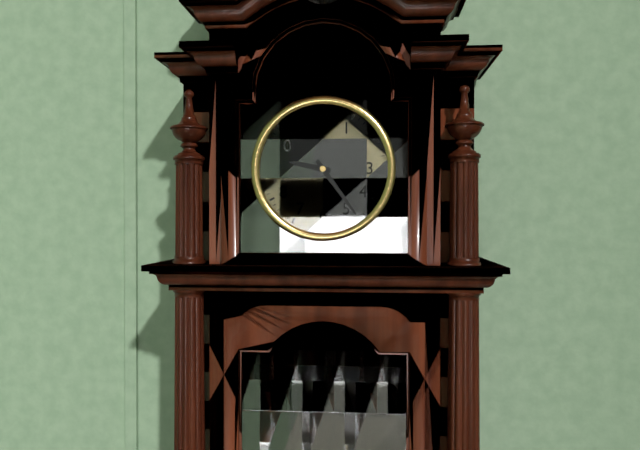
h=9 m=24
